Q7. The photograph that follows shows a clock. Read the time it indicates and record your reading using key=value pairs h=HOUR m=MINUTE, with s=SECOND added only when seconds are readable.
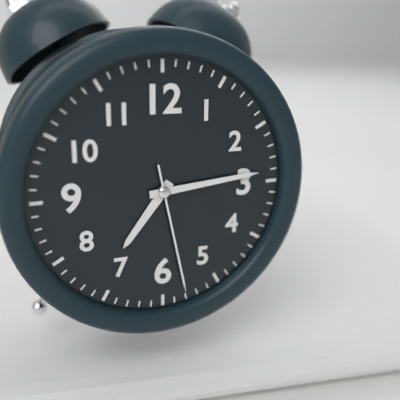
h=7 m=14 s=28
